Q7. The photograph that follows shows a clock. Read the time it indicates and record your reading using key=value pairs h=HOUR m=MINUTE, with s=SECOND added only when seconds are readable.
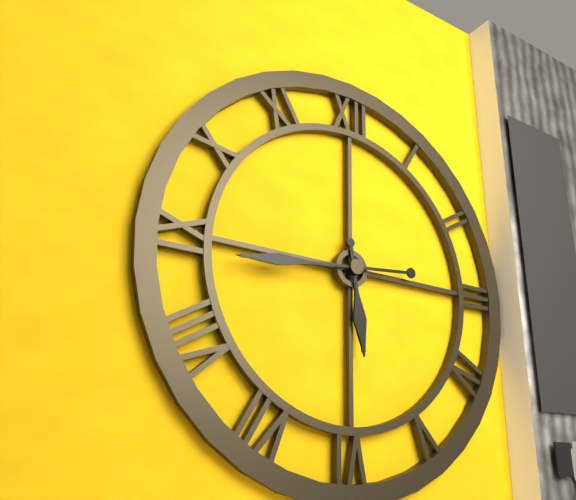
h=5 m=44
